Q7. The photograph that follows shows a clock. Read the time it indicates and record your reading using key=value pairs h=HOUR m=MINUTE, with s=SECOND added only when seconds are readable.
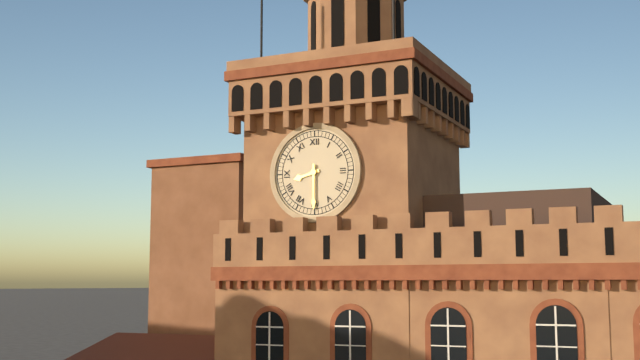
h=8 m=30
